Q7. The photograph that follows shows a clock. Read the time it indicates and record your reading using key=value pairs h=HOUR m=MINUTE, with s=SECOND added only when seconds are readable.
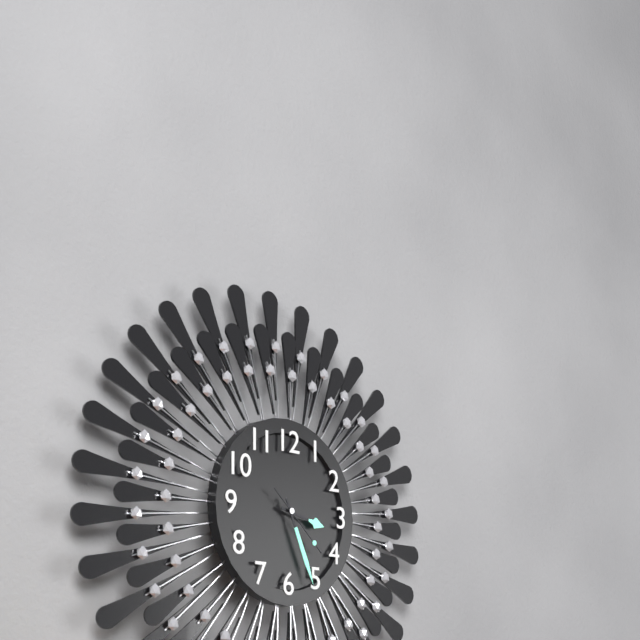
h=3 m=26 s=22
